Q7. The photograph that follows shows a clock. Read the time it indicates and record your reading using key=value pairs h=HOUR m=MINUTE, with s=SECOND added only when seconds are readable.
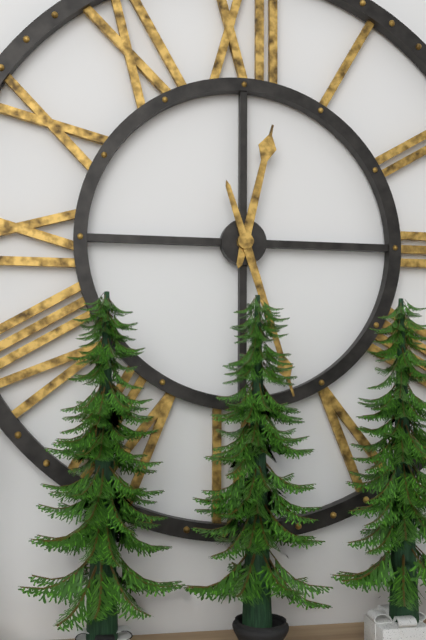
h=12 m=27
